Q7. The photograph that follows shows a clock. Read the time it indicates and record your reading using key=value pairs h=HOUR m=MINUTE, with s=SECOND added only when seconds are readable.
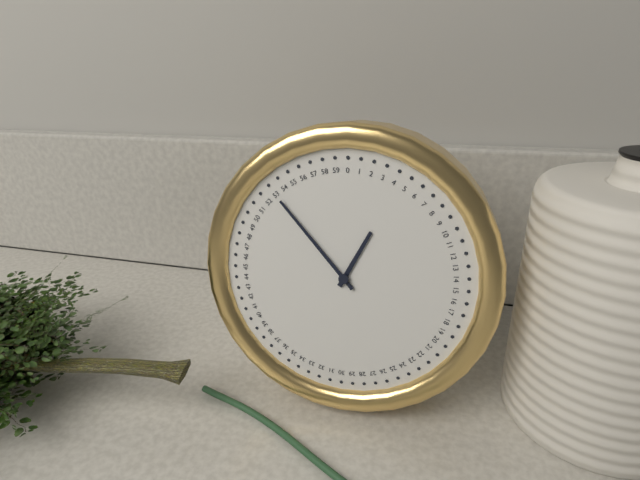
h=12 m=53
